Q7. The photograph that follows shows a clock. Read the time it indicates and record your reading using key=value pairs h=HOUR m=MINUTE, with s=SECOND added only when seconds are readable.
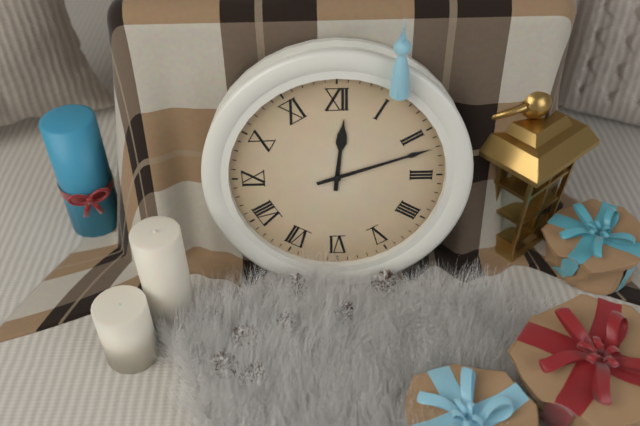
h=12 m=12
